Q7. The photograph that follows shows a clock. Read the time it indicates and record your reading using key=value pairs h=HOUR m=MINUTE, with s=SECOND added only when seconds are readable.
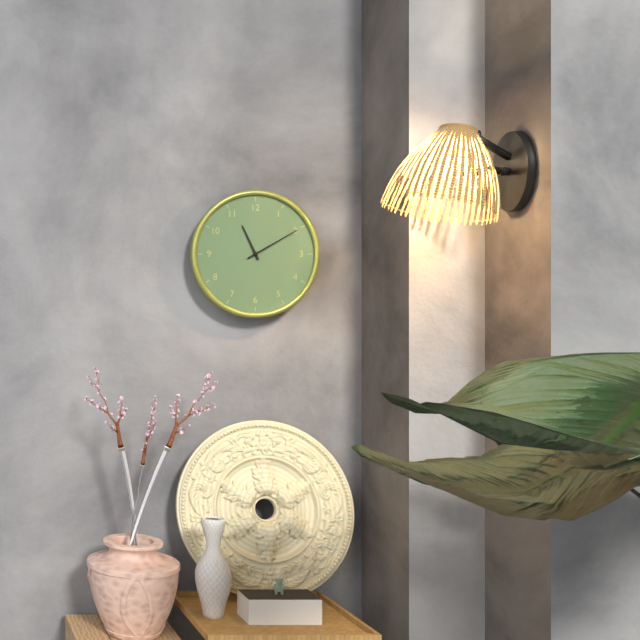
h=11 m=10
